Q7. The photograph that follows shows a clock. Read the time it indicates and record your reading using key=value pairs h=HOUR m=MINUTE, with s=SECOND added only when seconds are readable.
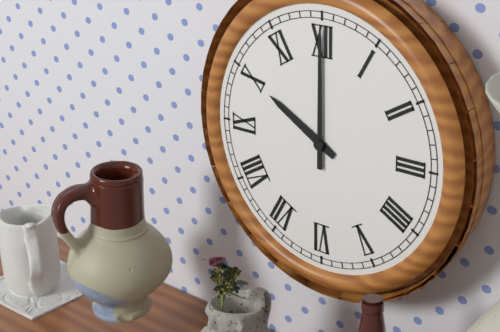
h=10 m=0
